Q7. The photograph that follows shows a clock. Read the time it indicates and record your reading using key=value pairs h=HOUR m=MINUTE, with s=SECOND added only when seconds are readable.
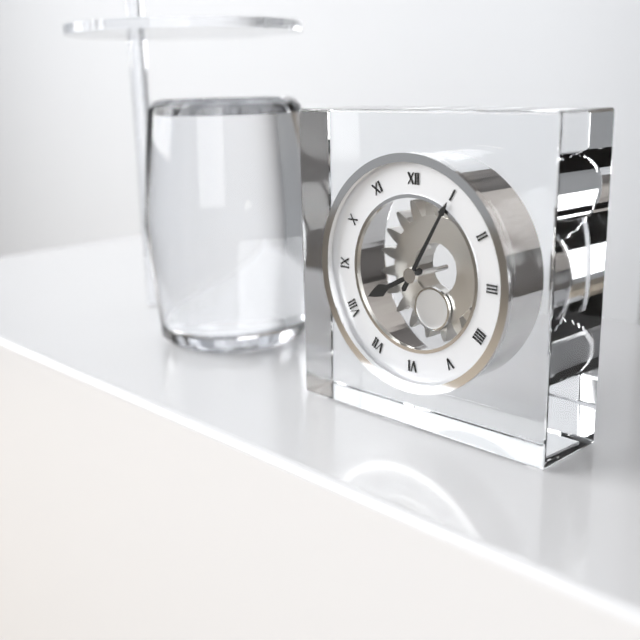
h=8 m=5
